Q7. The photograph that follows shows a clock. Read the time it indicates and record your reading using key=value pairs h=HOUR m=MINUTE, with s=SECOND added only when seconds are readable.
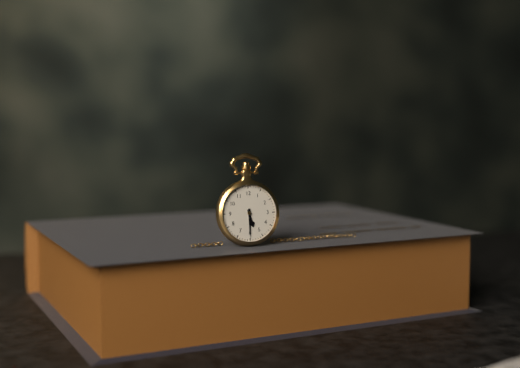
h=5 m=30
